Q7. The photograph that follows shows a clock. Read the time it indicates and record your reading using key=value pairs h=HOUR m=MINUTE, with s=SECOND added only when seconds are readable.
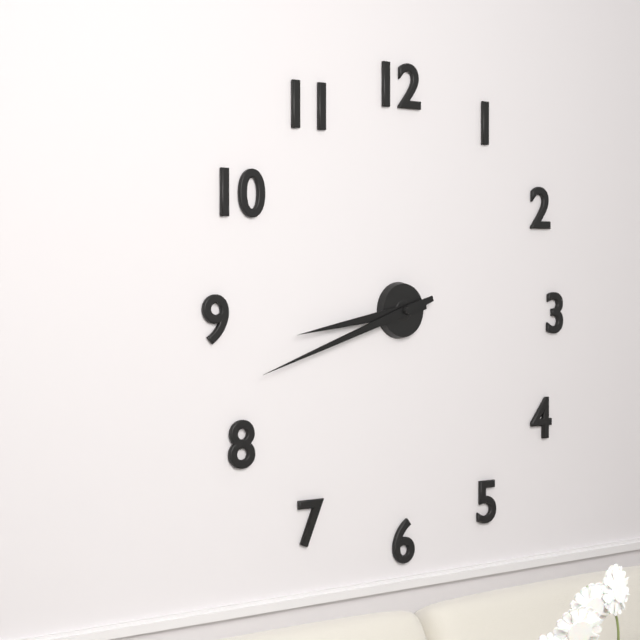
h=8 m=42
